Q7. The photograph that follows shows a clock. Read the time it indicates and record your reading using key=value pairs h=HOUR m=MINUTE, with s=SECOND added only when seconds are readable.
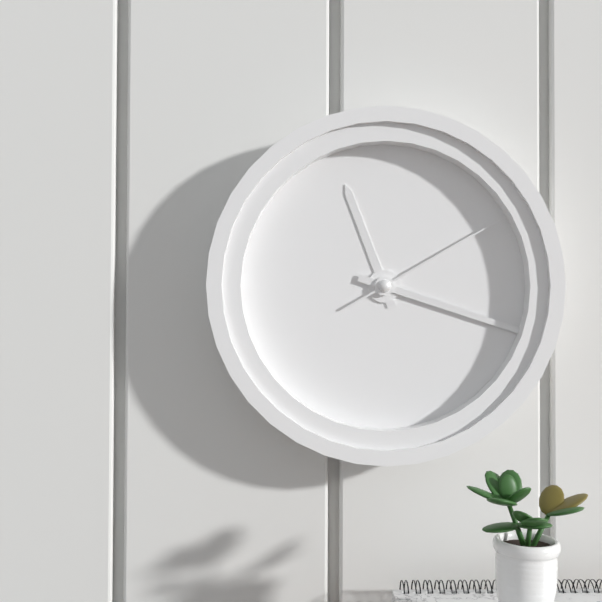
h=11 m=18 s=10
